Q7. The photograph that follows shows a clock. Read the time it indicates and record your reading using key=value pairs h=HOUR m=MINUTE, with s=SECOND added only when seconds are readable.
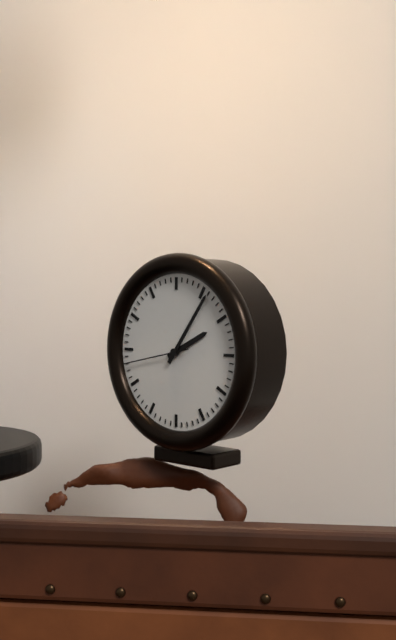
h=2 m=6 s=43
